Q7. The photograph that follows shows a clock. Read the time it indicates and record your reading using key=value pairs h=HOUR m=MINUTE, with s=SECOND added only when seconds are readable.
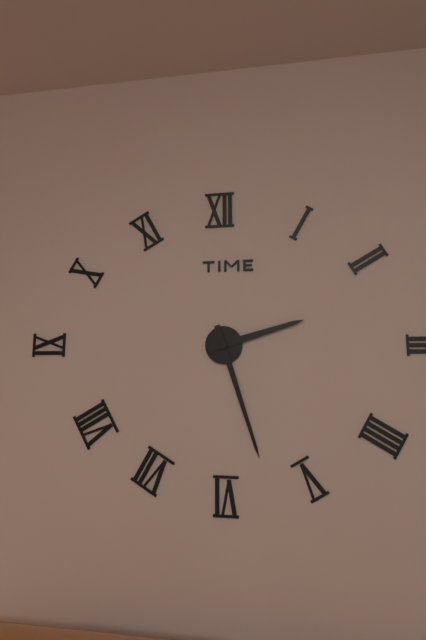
h=2 m=27
